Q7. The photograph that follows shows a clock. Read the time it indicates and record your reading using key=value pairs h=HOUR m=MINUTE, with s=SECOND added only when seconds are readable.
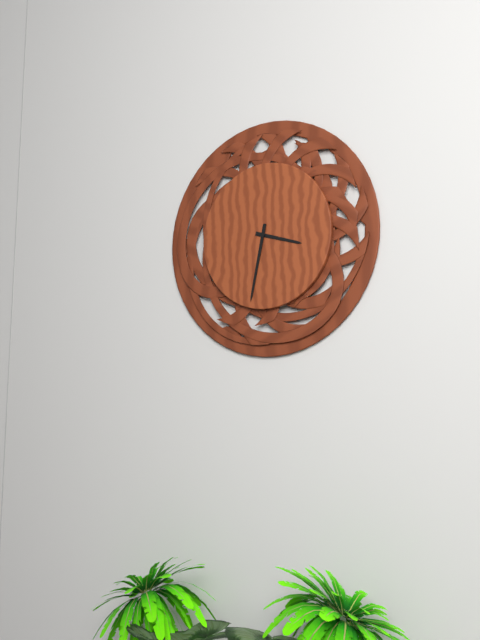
h=3 m=32
